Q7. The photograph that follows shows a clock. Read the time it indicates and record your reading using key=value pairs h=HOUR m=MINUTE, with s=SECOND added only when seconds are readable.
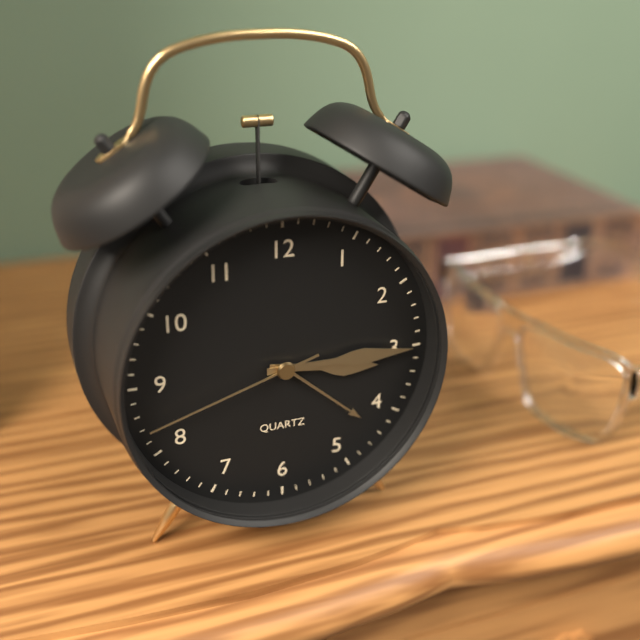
h=3 m=15 s=42
